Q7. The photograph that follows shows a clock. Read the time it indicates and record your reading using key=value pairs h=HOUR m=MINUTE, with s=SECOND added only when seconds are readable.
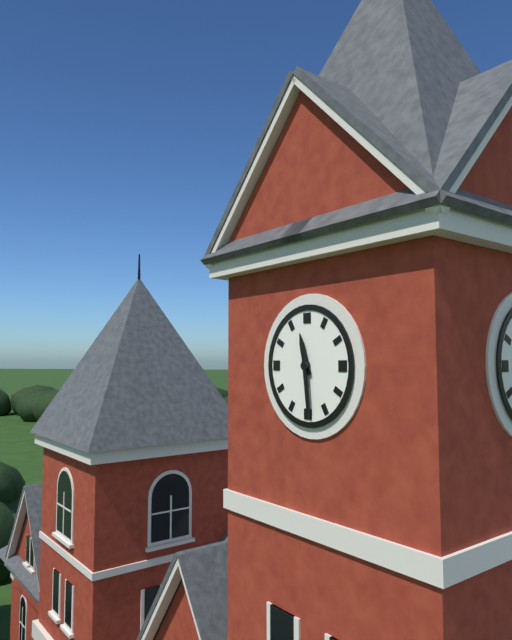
h=11 m=29
